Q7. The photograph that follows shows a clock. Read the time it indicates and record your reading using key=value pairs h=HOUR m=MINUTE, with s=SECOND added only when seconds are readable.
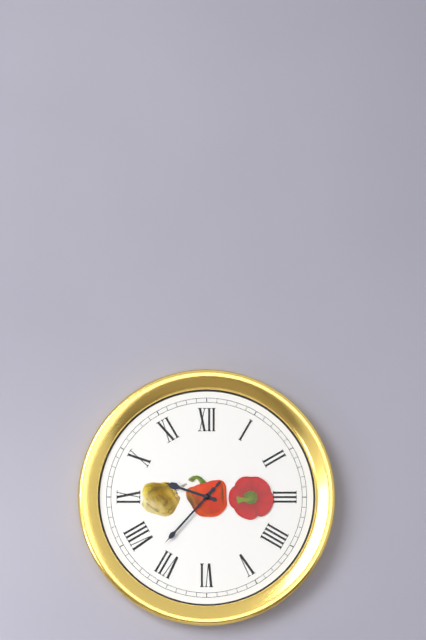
h=9 m=37 s=37
